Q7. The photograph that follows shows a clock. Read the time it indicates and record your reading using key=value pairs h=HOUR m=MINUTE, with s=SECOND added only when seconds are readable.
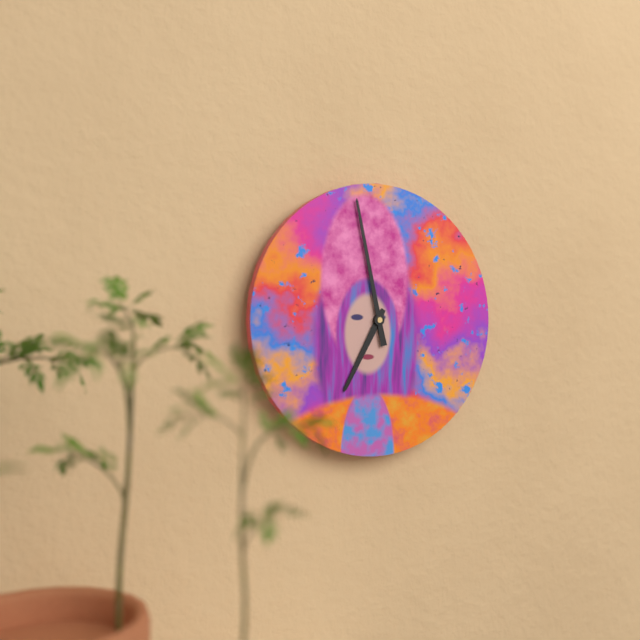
h=6 m=58
